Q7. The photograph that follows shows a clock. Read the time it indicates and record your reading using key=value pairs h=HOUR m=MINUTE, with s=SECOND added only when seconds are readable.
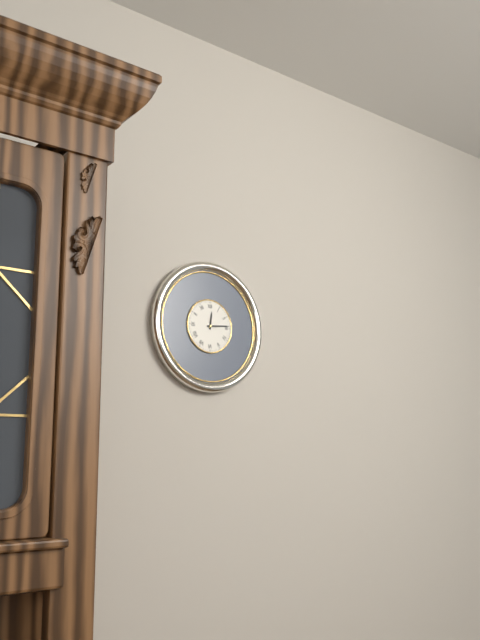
h=12 m=14
